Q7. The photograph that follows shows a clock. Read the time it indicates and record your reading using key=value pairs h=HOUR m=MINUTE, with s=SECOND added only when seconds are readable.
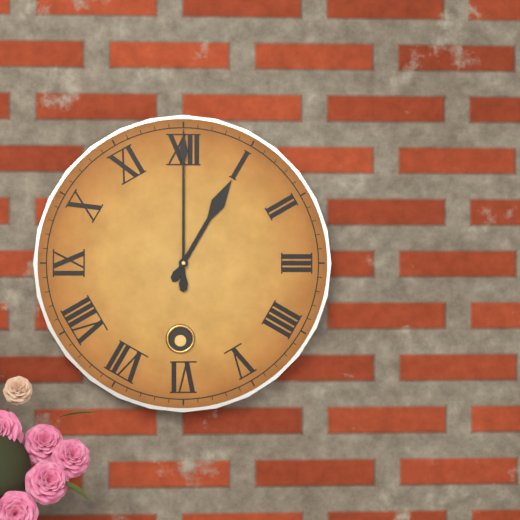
h=1 m=0
